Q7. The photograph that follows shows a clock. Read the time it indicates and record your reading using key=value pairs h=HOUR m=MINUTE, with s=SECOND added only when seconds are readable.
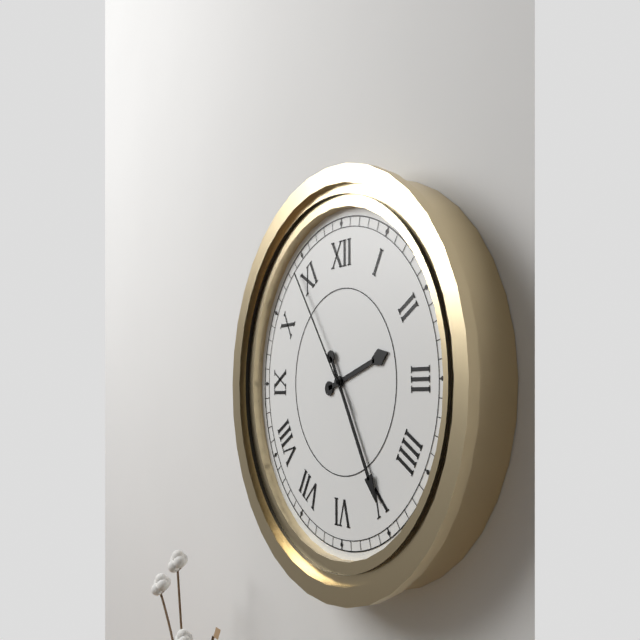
h=2 m=25 s=54
